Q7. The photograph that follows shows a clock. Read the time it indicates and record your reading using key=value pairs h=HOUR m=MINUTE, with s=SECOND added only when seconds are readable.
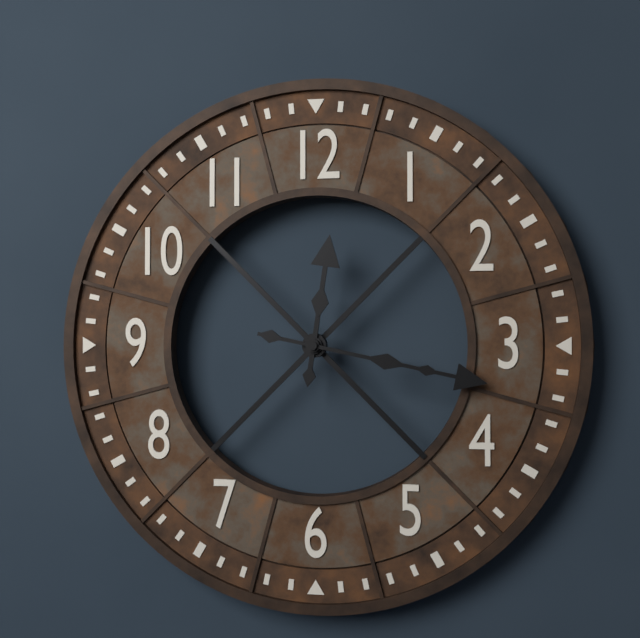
h=12 m=17
